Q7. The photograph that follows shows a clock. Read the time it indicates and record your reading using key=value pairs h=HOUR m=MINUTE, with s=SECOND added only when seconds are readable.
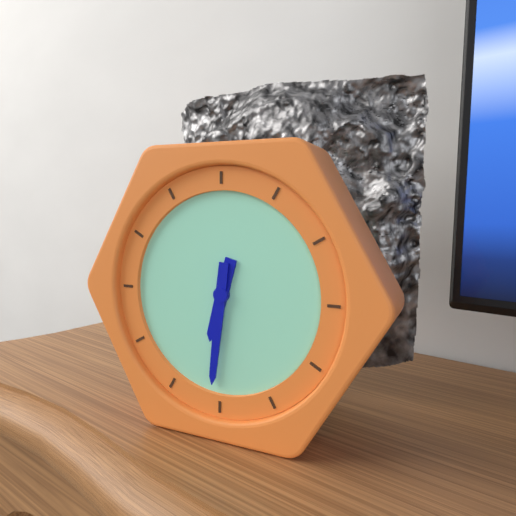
h=6 m=31
